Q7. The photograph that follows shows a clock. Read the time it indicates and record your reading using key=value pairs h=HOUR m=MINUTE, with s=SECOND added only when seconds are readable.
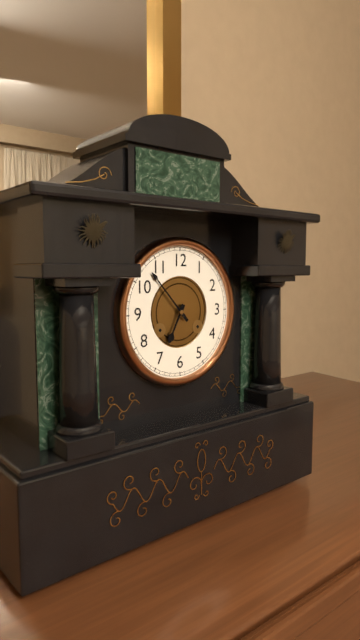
h=6 m=53
